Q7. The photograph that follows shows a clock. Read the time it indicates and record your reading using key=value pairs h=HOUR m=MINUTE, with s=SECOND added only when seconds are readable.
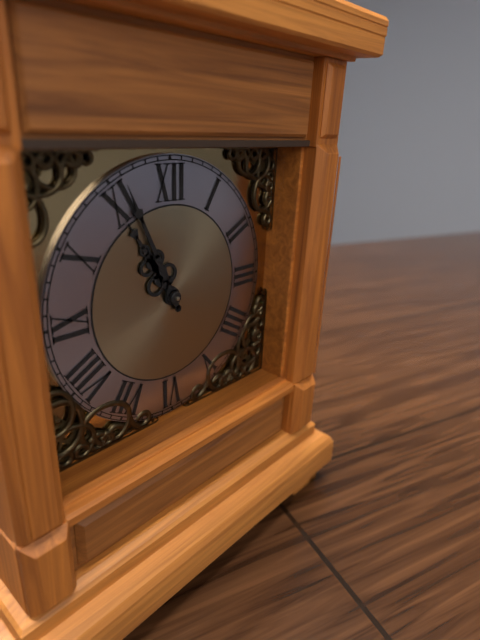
h=10 m=56
